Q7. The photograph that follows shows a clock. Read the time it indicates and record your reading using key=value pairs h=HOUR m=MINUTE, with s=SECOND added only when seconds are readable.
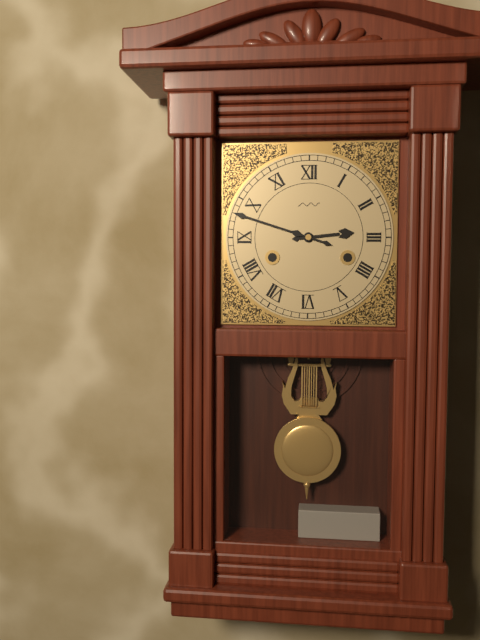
h=2 m=48
